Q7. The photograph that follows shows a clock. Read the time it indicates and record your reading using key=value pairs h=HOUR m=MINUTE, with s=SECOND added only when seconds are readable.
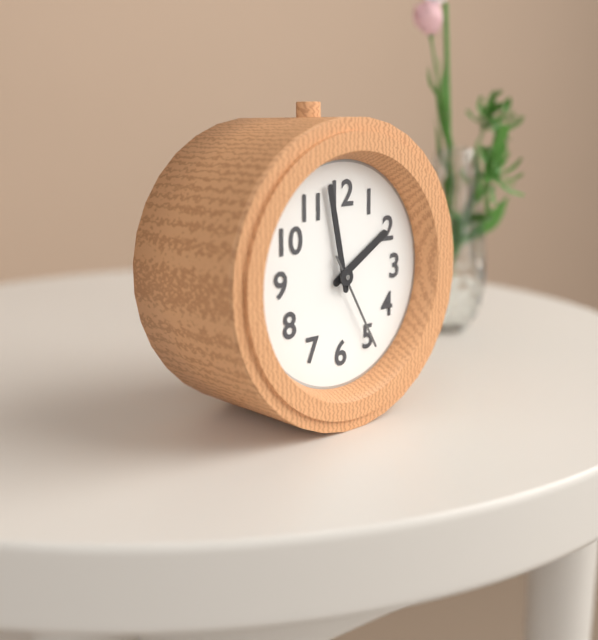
h=1 m=58 s=25
